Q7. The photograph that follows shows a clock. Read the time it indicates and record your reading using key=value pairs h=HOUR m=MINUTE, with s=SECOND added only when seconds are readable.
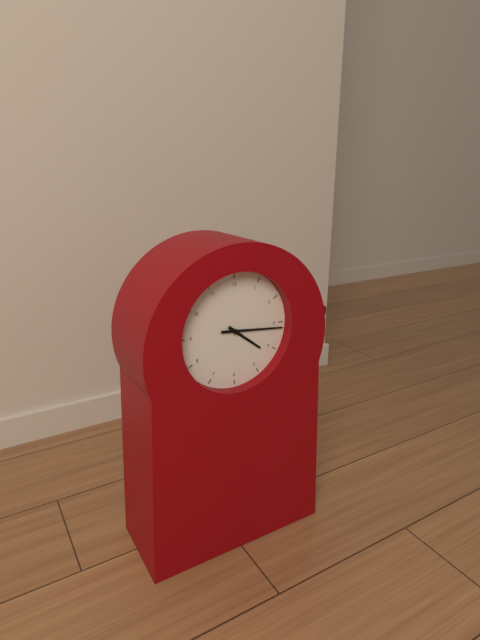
h=4 m=16
